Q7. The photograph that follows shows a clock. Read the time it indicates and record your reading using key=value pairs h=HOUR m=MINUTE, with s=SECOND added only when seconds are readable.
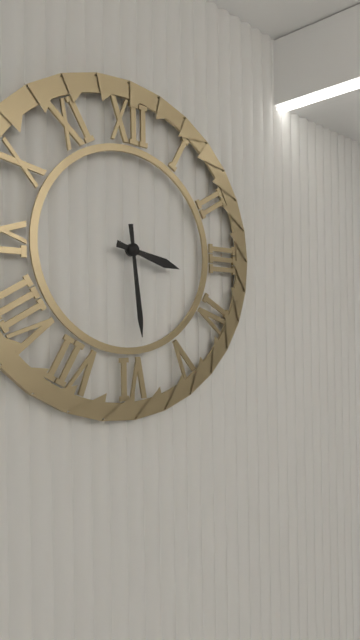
h=3 m=29
